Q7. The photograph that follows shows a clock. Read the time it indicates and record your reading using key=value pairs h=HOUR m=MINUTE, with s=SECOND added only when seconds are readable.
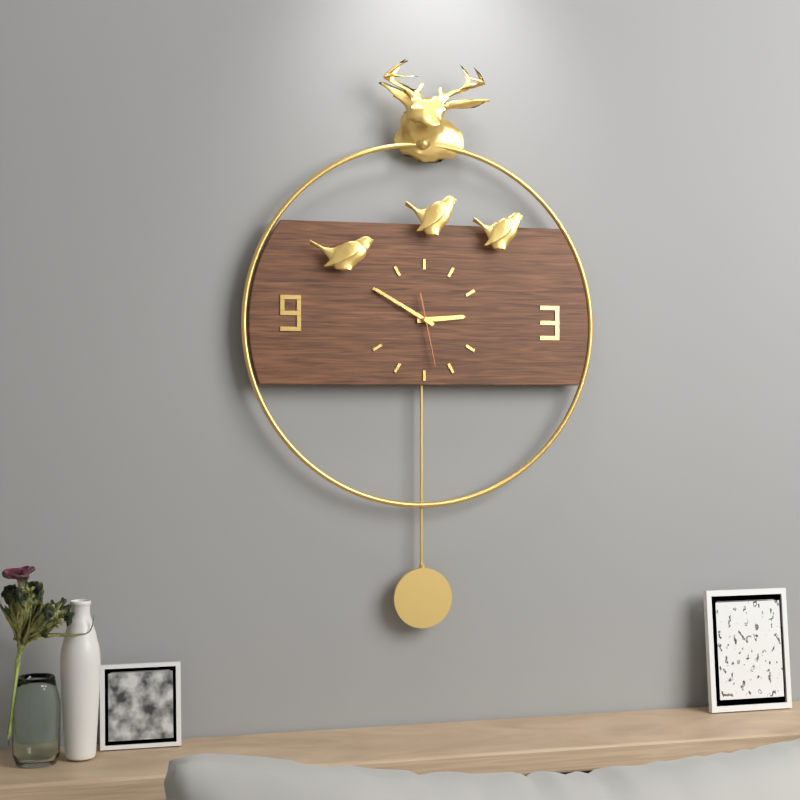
h=2 m=50 s=28
